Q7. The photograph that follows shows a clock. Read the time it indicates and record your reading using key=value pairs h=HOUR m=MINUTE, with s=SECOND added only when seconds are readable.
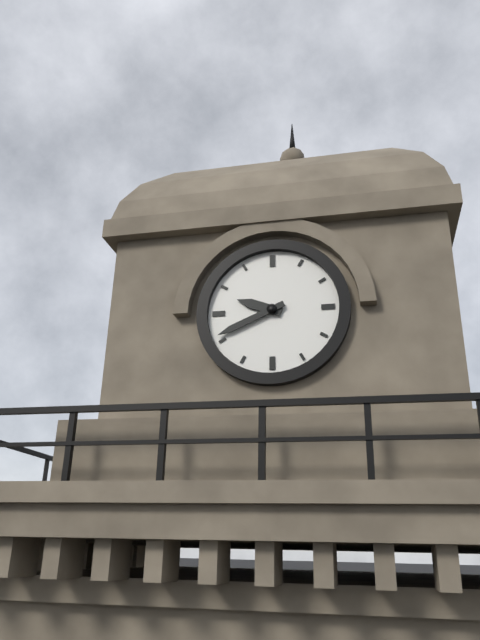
h=9 m=41
